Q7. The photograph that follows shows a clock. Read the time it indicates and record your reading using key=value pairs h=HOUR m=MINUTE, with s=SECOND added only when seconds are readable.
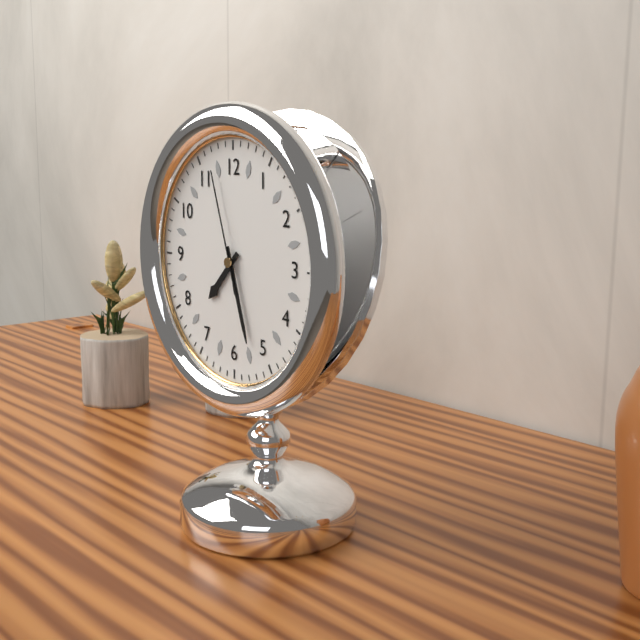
h=7 m=27 s=57
